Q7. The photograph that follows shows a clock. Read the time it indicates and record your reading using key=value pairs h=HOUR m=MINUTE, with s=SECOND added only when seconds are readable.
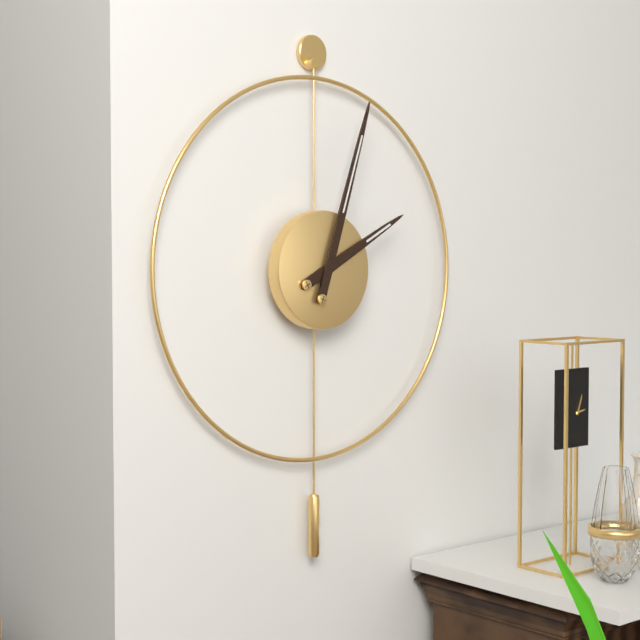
h=2 m=3
